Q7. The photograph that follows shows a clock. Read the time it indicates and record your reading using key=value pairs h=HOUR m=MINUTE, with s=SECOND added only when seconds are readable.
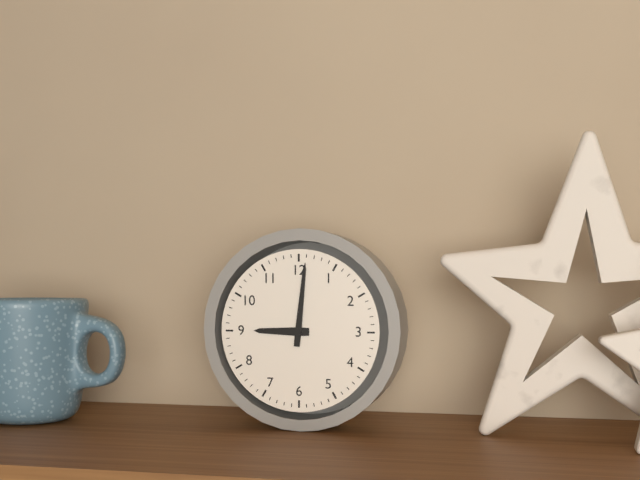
h=9 m=1
